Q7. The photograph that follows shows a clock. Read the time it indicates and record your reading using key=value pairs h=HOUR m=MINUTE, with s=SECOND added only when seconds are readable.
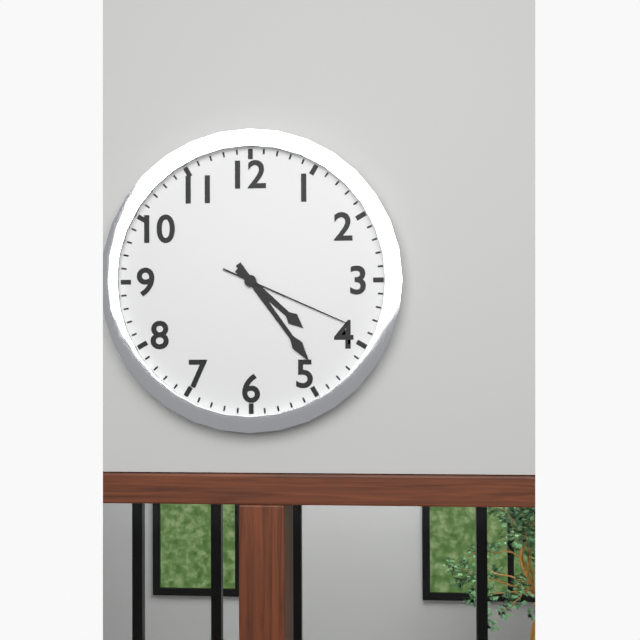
h=4 m=24 s=19
